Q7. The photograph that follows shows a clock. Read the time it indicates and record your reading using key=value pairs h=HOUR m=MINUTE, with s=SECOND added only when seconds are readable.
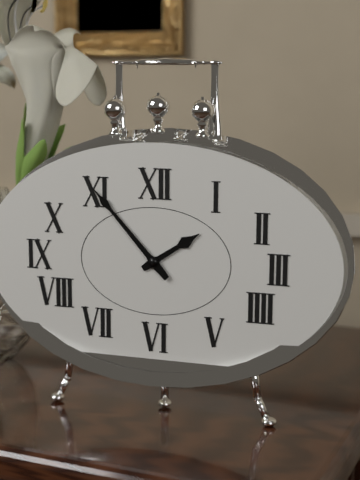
h=1 m=53
